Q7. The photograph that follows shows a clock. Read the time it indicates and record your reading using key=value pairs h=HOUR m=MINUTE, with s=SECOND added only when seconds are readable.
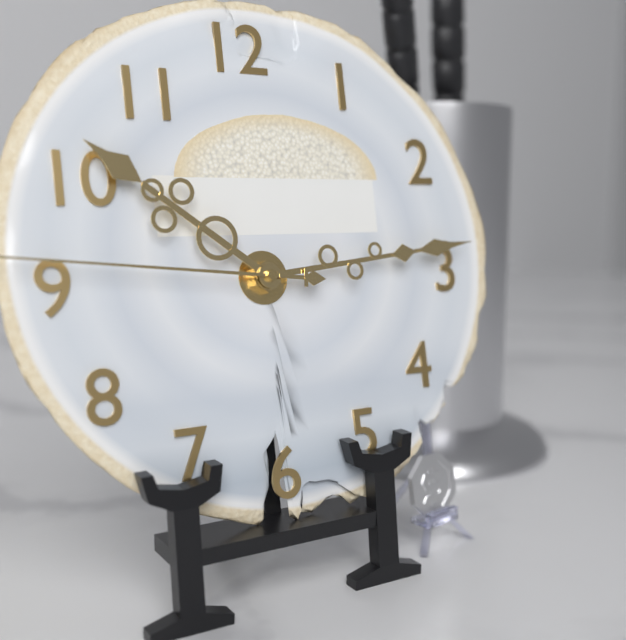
h=10 m=14
